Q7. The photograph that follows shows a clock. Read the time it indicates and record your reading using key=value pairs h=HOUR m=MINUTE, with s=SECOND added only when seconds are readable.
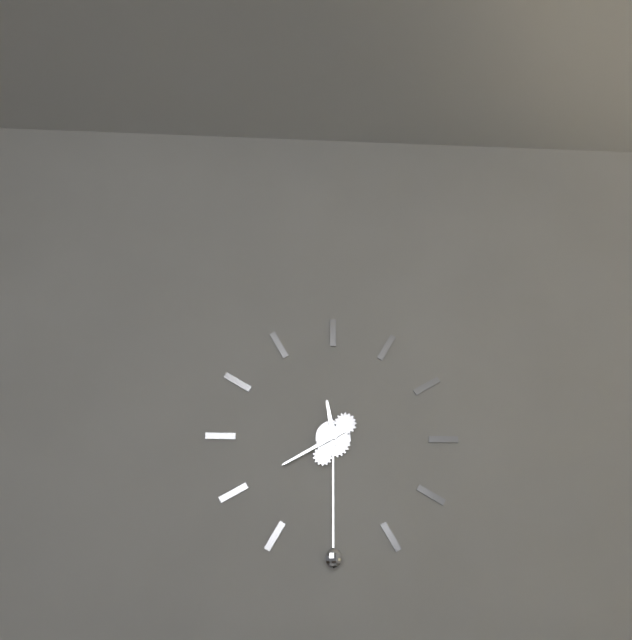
h=11 m=40
